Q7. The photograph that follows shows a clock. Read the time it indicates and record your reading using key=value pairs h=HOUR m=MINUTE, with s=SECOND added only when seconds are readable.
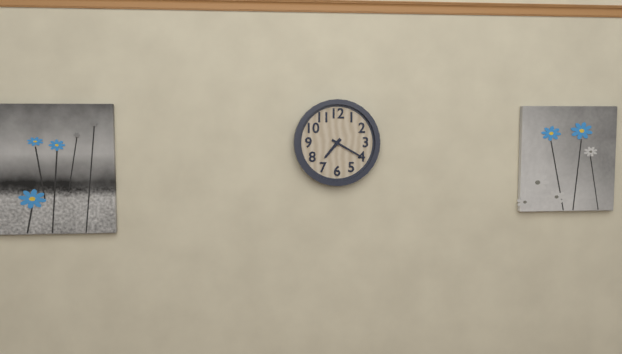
h=7 m=20
